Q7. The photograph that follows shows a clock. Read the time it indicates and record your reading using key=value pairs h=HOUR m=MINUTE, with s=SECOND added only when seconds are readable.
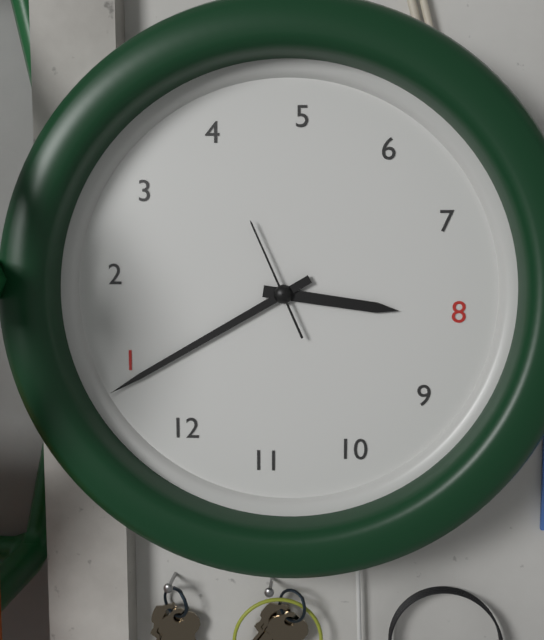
h=8 m=4 s=20
